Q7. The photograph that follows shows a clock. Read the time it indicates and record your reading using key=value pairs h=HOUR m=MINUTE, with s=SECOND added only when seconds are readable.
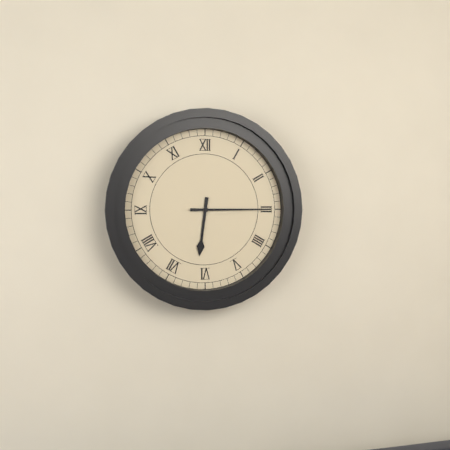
h=6 m=15
